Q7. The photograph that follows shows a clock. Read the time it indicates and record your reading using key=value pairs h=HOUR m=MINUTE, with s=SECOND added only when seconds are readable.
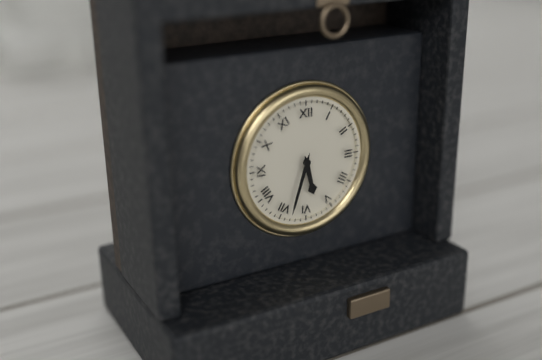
h=5 m=33
